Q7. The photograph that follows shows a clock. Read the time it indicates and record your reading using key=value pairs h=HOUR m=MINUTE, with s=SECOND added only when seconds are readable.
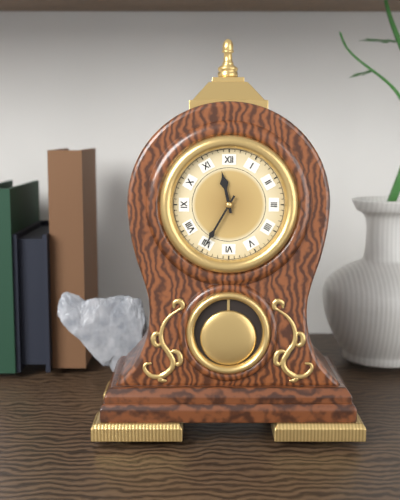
h=11 m=35
